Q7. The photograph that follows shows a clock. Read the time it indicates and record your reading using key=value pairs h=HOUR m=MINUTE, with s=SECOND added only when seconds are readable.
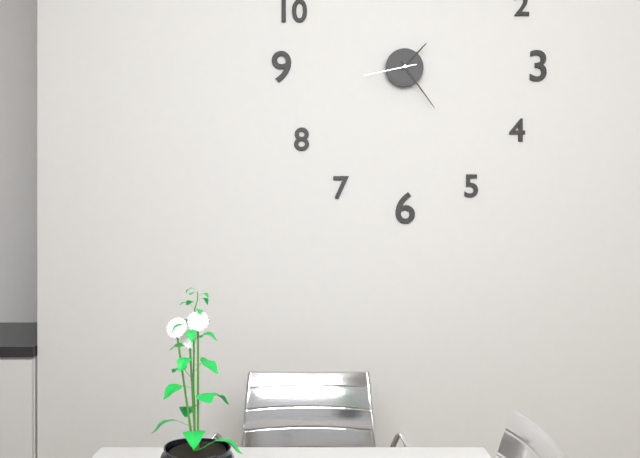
h=1 m=24 s=43
